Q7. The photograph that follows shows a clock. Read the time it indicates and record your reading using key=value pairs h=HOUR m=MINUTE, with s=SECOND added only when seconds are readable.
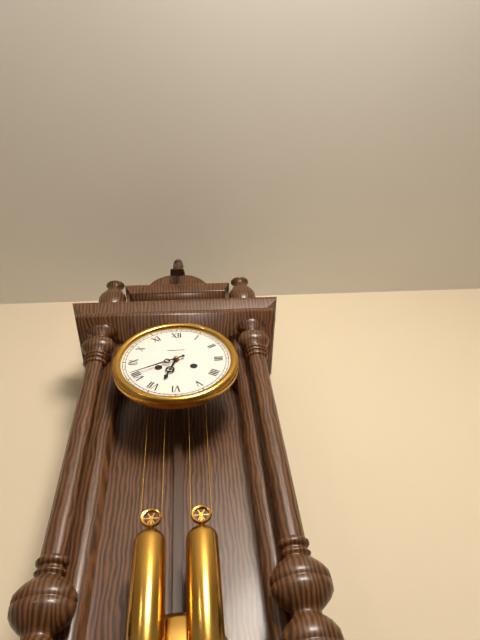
h=6 m=41
